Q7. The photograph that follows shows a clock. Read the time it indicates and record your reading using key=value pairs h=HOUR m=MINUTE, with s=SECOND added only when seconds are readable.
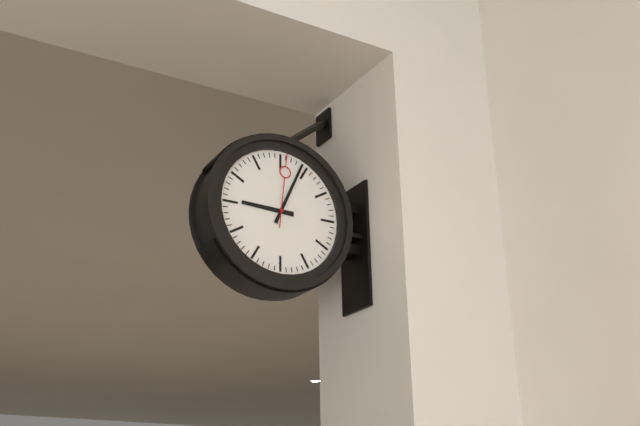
h=9 m=4 s=1
